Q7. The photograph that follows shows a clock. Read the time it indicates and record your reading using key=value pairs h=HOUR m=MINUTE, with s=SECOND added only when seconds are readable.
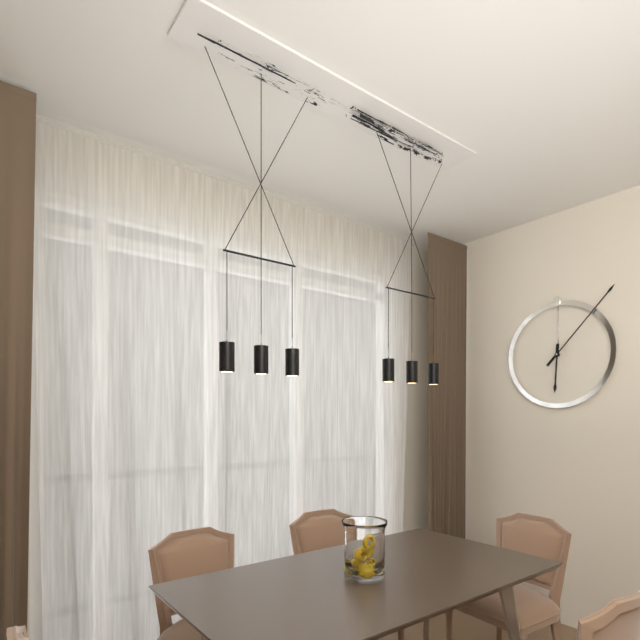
h=6 m=7
